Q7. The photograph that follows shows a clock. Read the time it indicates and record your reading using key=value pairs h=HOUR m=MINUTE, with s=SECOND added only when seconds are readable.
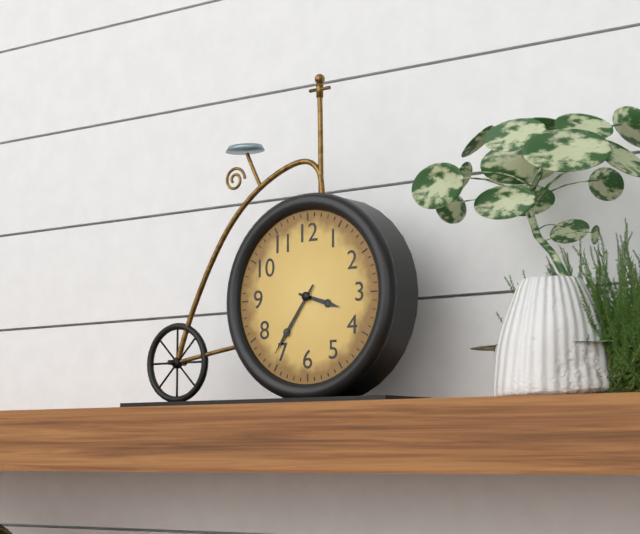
h=3 m=36
